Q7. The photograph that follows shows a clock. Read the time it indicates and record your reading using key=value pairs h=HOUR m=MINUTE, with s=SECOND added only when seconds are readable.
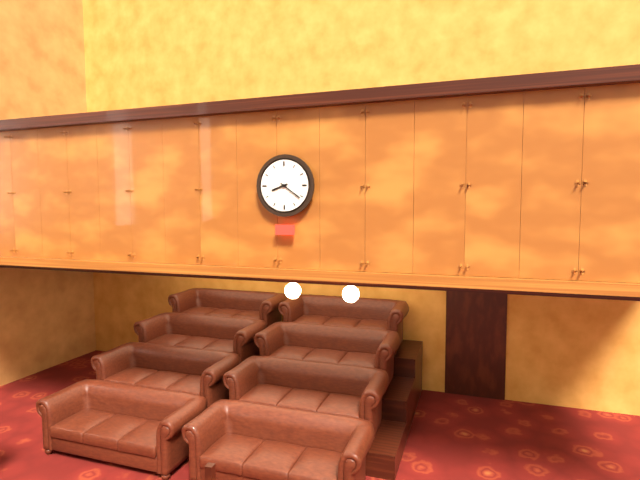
h=8 m=21
